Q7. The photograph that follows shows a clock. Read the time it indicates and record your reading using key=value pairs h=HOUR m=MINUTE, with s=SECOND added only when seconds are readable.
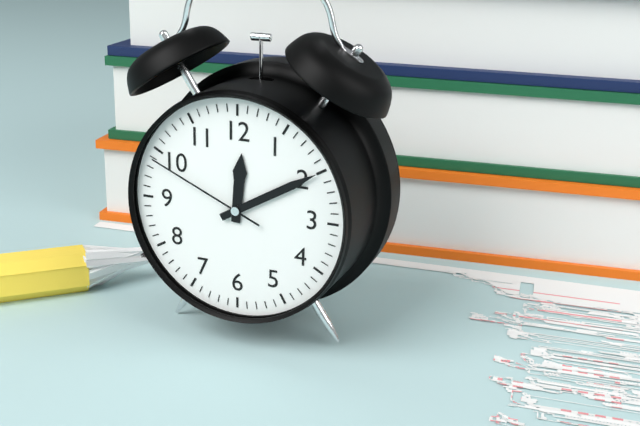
h=12 m=10 s=49
